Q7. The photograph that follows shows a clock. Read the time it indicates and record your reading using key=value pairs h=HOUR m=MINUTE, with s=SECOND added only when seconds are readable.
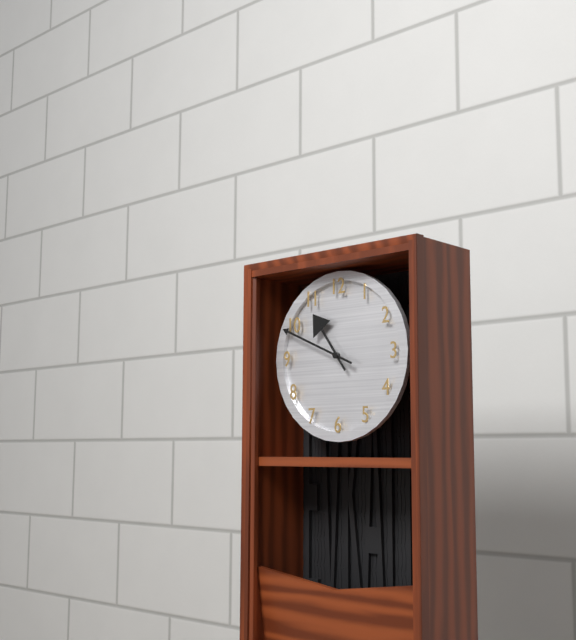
h=10 m=49
